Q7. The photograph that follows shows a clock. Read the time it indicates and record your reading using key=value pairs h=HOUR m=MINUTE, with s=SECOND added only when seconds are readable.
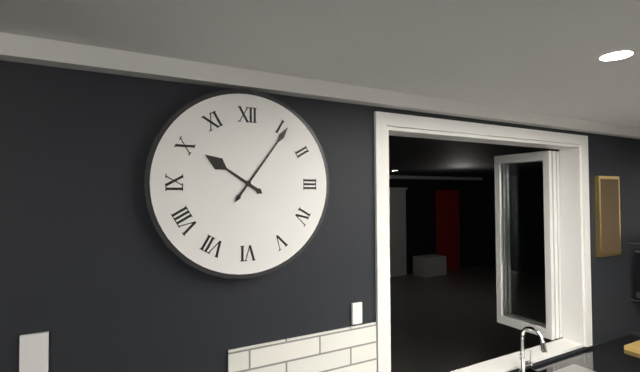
h=10 m=6
